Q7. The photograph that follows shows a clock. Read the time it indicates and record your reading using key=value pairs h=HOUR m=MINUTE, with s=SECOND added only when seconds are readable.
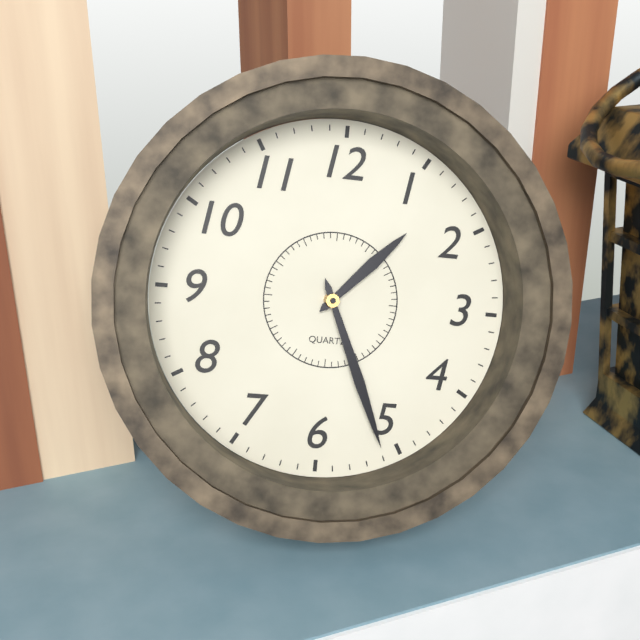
h=1 m=26
